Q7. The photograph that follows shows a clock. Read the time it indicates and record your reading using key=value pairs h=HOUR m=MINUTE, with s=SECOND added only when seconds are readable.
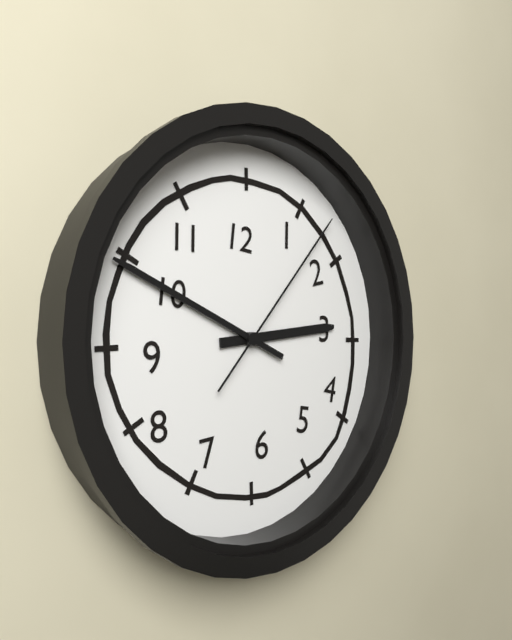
h=2 m=49 s=7
